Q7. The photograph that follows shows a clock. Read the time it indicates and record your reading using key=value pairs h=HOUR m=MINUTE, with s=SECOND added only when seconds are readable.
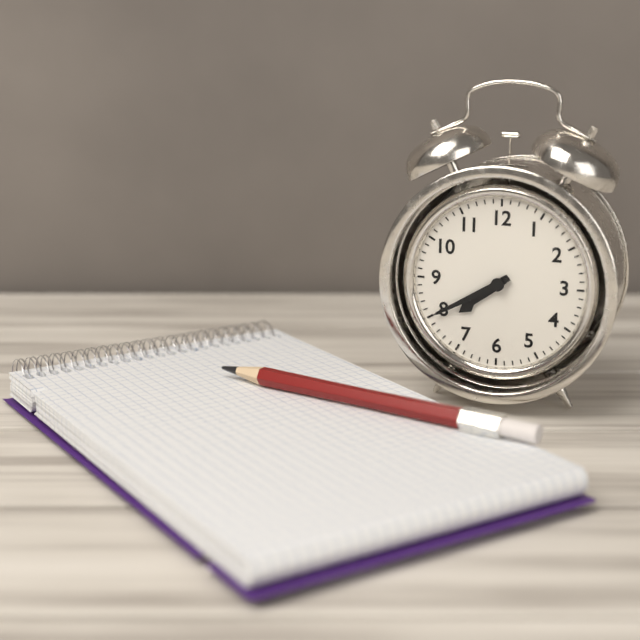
h=7 m=40
